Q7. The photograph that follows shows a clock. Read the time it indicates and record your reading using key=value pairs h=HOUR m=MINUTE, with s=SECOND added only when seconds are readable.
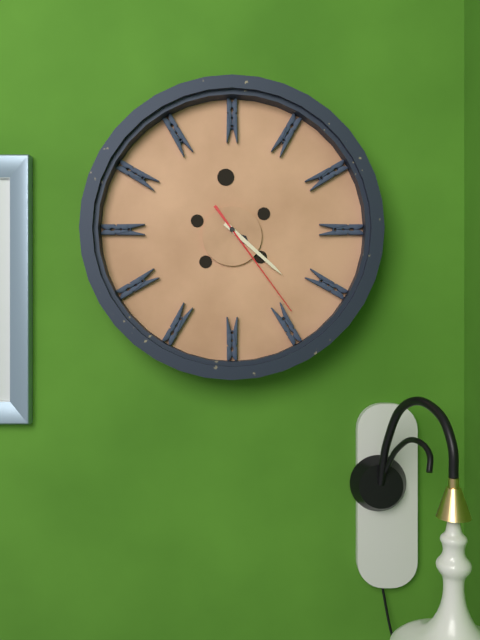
h=4 m=22 s=24
